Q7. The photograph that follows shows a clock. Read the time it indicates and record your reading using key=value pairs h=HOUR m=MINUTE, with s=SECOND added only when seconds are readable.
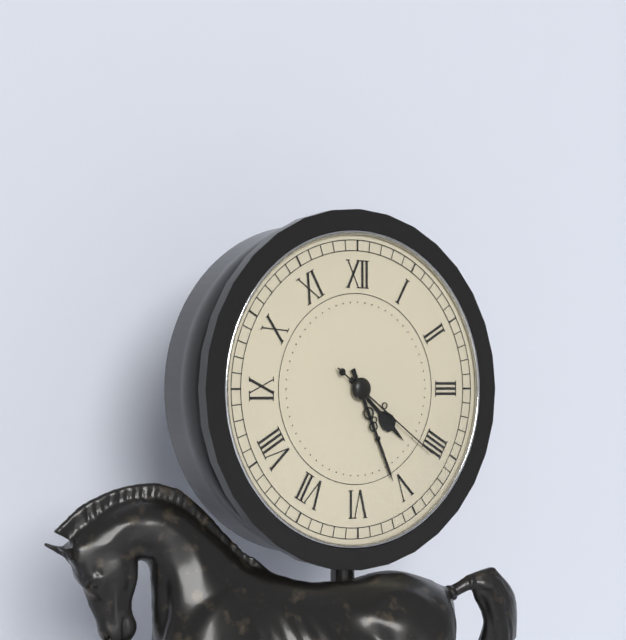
h=4 m=26 s=21
